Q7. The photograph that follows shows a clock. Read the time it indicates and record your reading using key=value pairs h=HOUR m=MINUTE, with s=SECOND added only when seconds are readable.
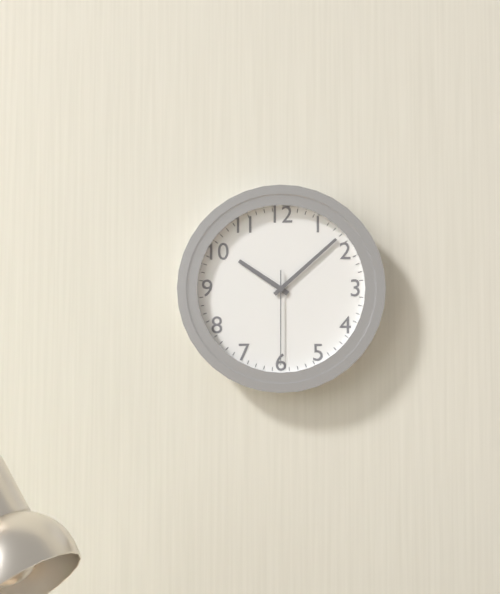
h=10 m=8 s=30
